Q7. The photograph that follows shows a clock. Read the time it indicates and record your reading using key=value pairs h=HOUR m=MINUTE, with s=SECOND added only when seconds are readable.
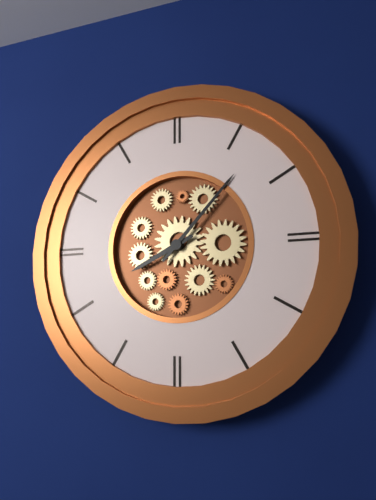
h=8 m=7
